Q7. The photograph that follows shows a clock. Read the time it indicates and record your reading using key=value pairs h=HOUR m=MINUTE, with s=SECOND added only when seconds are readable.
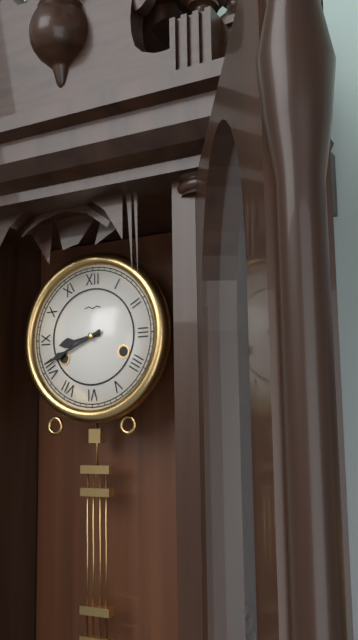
h=8 m=41
